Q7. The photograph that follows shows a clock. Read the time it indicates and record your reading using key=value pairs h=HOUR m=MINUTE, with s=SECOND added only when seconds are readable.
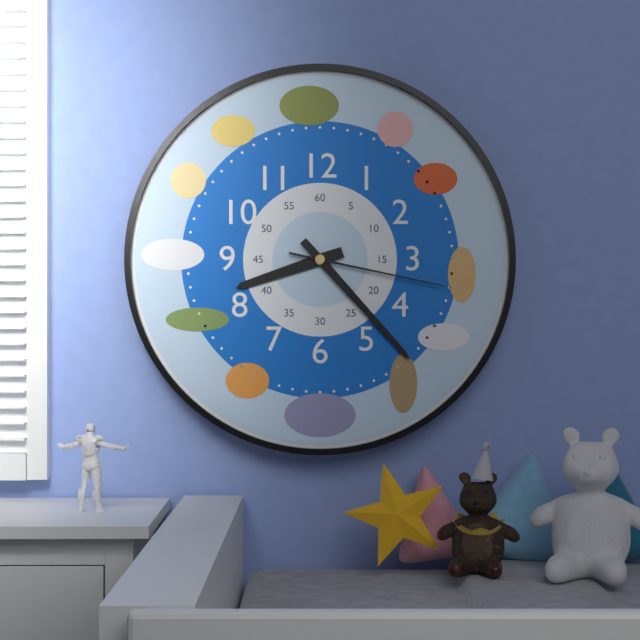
h=8 m=23 s=17
